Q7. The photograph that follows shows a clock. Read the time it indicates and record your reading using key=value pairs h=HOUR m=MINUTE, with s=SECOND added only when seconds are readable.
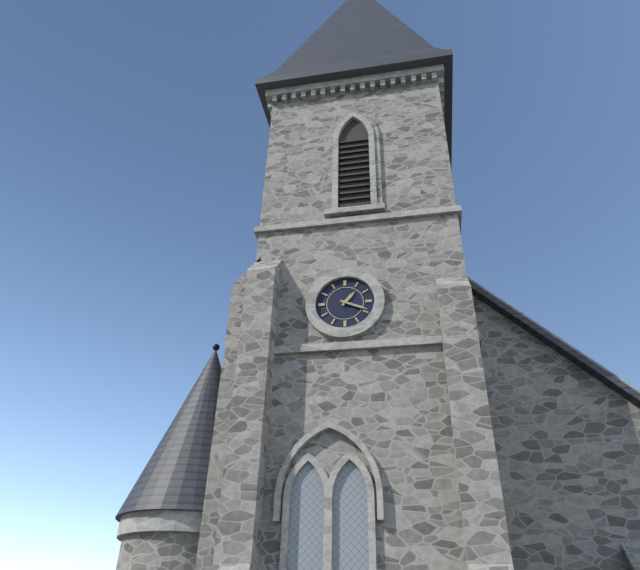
h=1 m=19
